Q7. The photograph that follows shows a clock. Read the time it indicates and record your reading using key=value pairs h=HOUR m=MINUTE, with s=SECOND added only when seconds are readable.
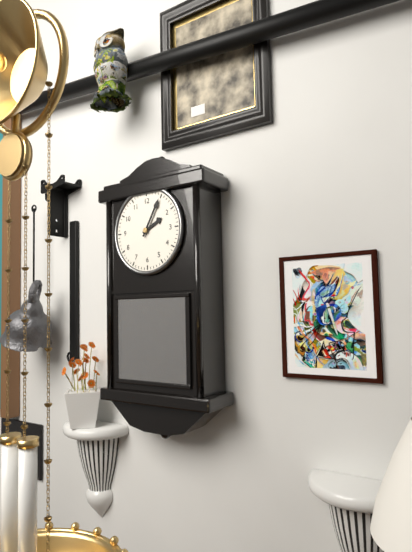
h=2 m=5
